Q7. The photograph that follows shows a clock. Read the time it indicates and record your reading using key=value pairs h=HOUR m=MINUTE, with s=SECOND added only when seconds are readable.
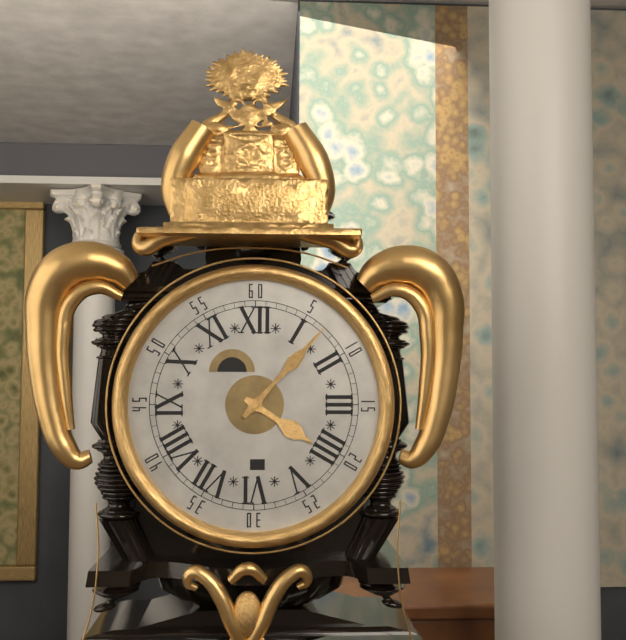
h=4 m=7
